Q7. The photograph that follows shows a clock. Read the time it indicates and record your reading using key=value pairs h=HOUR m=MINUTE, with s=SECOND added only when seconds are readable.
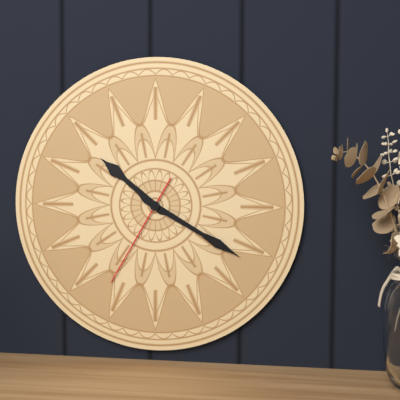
h=10 m=20 s=35
